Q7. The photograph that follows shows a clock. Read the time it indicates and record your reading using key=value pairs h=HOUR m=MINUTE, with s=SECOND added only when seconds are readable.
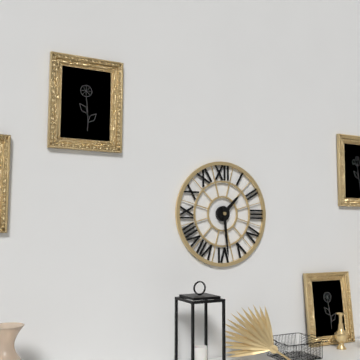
h=1 m=29
